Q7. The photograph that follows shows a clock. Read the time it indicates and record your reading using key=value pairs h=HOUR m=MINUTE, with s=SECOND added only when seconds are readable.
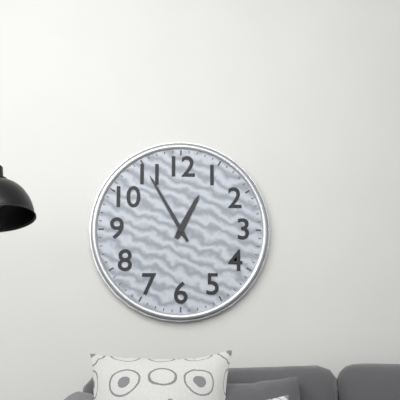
h=12 m=55
